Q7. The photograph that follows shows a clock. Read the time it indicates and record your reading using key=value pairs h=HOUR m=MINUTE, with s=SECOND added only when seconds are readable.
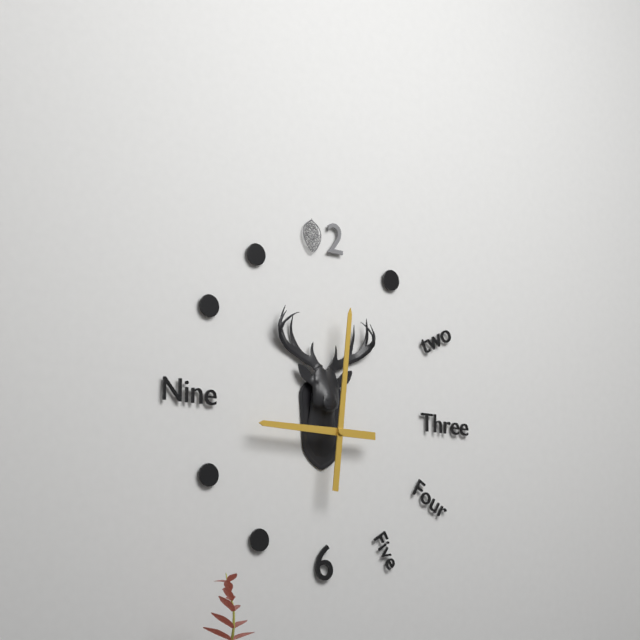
h=9 m=1
